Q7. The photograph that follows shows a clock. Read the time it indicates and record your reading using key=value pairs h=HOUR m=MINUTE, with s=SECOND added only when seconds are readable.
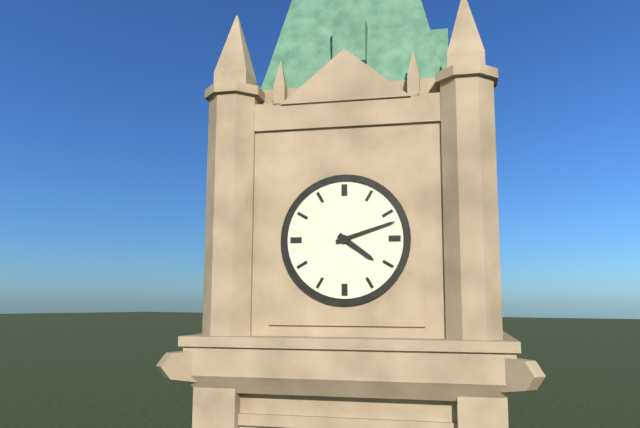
h=4 m=12
